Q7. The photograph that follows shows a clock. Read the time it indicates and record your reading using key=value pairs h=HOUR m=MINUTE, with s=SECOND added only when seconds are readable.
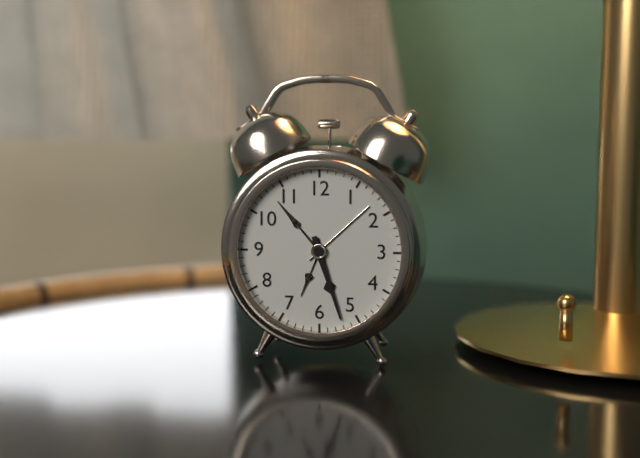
h=5 m=27
